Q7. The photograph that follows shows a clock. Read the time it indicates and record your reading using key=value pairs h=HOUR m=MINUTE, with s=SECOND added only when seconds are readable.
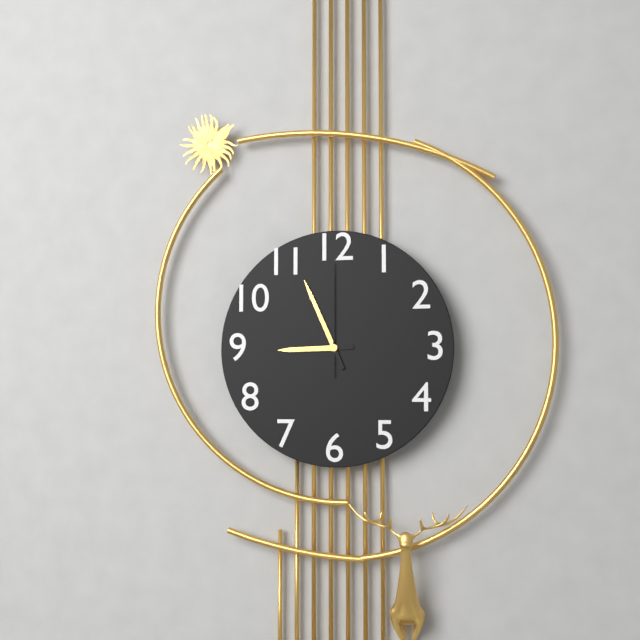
h=8 m=56 s=0
